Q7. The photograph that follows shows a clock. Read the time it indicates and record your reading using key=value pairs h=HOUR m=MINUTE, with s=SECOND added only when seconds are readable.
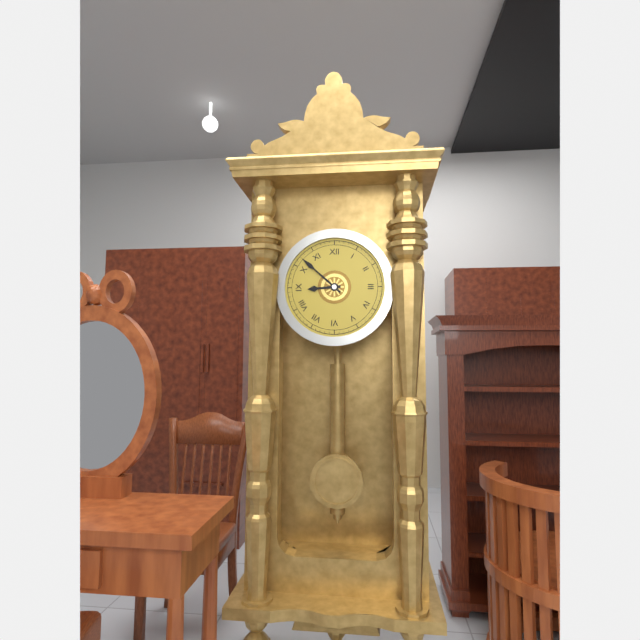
h=8 m=52
